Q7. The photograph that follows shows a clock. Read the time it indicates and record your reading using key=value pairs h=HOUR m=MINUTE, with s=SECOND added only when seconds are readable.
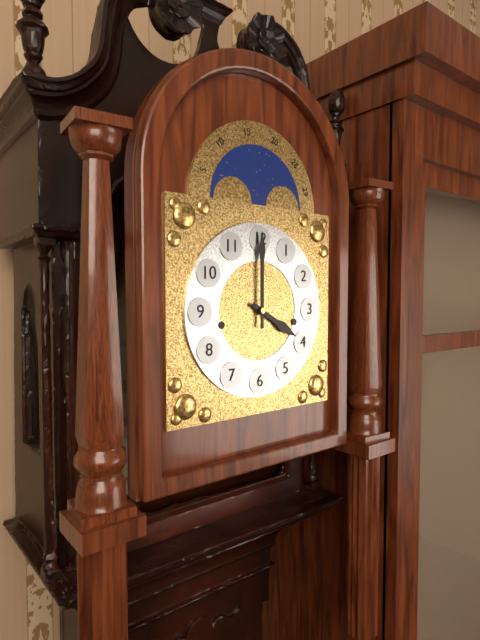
h=4 m=0
